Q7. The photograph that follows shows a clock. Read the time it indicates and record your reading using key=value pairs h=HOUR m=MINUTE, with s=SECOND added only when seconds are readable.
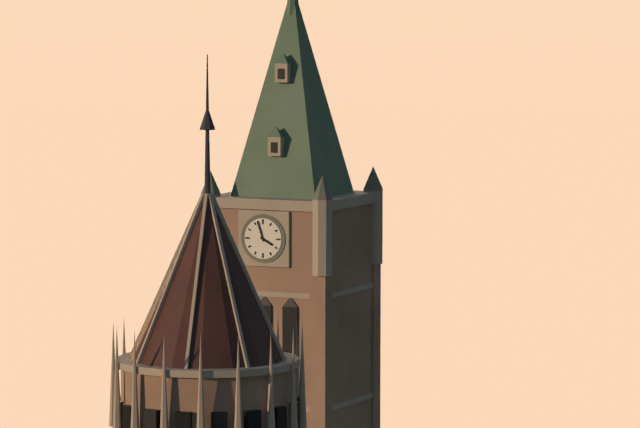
h=3 m=57
